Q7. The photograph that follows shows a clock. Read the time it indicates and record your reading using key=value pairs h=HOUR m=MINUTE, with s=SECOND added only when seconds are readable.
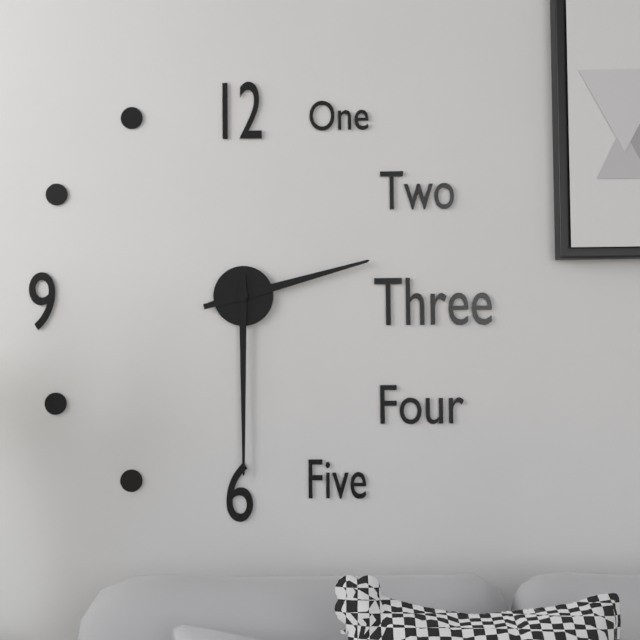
h=2 m=30
